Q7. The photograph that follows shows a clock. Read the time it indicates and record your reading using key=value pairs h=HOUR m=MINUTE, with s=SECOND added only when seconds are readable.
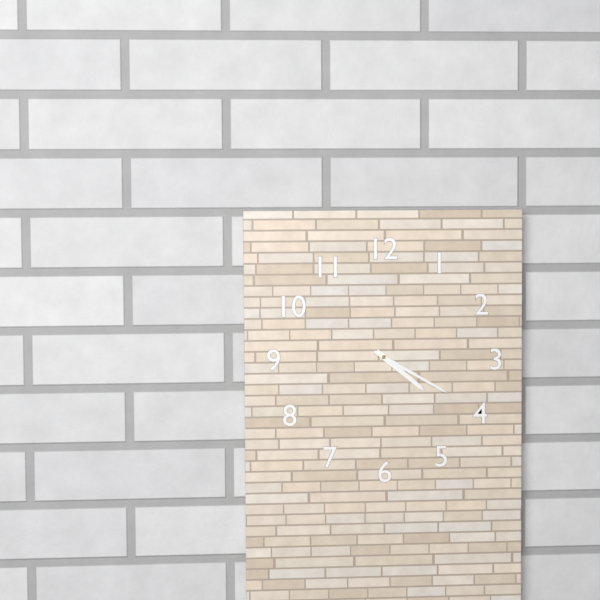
h=4 m=20
